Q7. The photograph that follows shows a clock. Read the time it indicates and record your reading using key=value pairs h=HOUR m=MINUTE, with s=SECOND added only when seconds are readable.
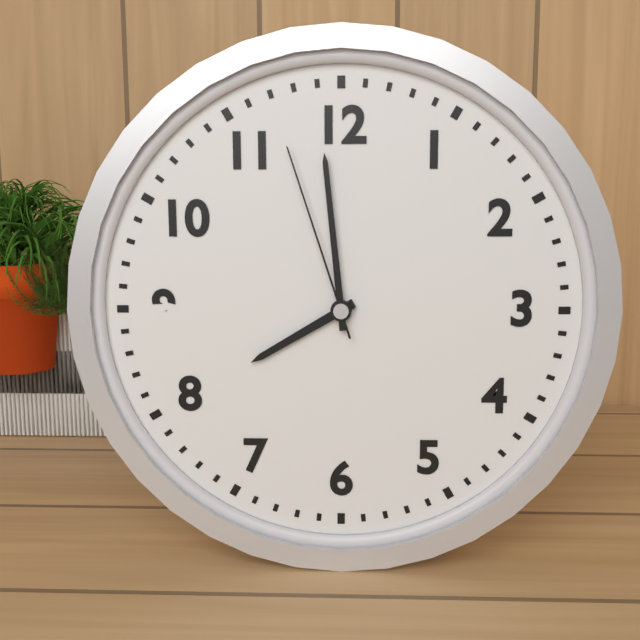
h=7 m=59 s=57
